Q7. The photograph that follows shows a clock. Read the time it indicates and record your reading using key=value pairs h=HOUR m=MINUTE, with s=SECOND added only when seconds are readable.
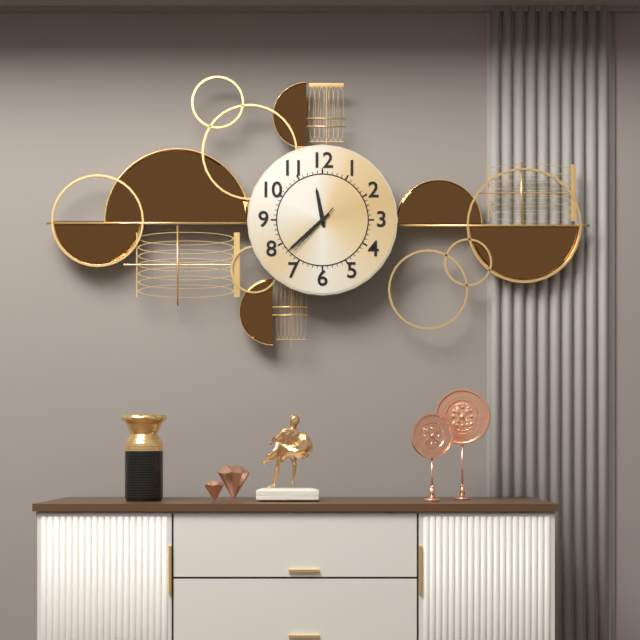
h=11 m=38 s=37
